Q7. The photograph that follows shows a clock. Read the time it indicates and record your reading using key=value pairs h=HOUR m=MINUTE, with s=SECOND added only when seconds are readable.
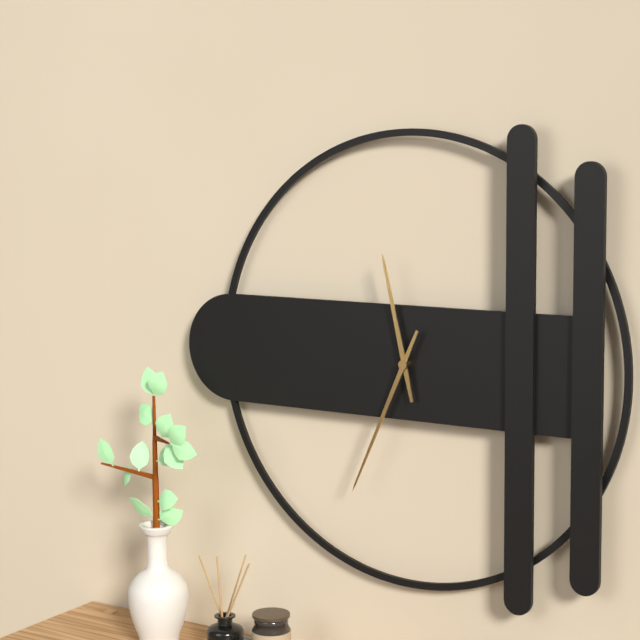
h=11 m=34
